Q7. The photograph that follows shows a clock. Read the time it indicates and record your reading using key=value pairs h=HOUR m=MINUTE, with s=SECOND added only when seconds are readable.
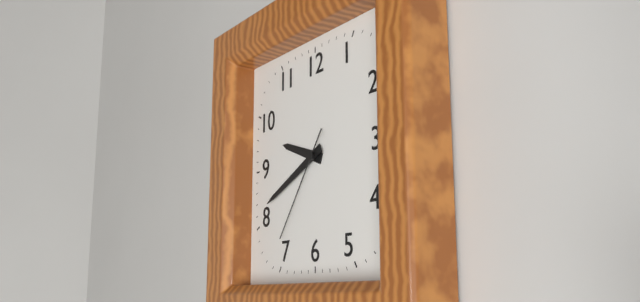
h=9 m=41 s=36
